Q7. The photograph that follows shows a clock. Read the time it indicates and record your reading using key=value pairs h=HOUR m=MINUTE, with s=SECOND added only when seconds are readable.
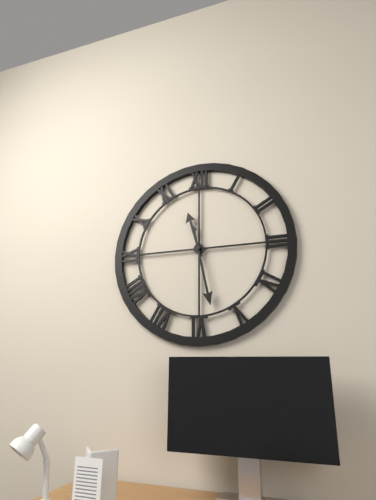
h=11 m=28
